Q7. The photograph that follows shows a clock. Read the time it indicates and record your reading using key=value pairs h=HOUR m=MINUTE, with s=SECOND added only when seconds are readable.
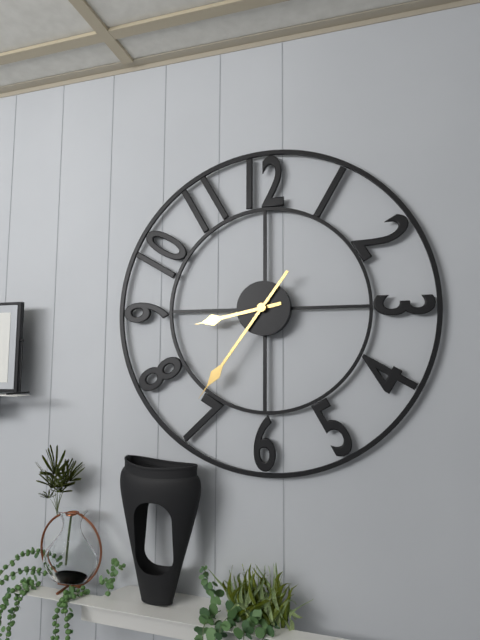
h=8 m=36
